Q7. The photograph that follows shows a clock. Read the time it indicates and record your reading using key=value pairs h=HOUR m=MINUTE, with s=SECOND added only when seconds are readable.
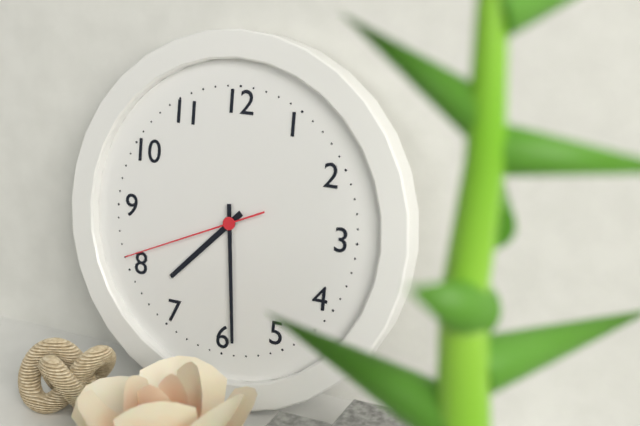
h=7 m=29 s=41
